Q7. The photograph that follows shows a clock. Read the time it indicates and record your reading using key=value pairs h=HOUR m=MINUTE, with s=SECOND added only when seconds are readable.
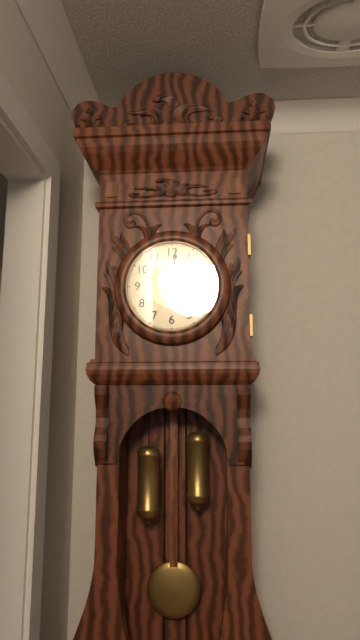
h=4 m=1
